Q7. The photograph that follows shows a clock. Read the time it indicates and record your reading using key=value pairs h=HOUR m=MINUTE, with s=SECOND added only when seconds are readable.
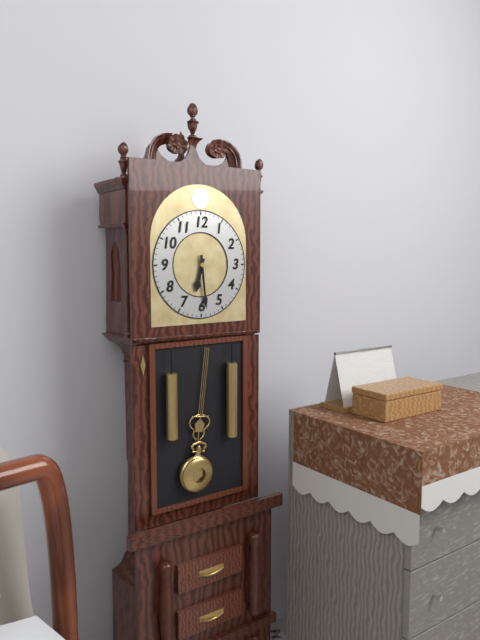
h=6 m=29
